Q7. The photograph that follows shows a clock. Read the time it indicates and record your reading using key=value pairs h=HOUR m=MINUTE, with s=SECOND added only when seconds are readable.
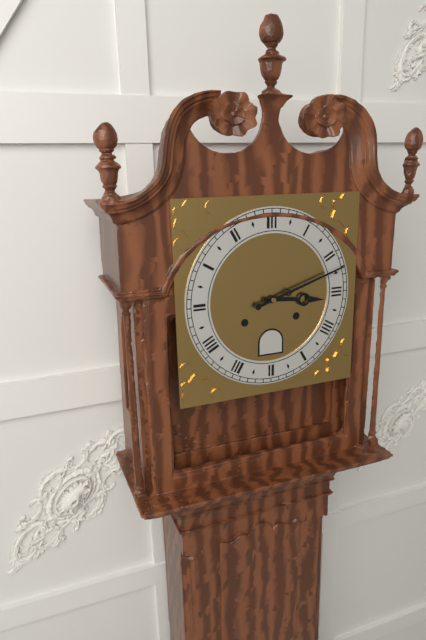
h=3 m=12
